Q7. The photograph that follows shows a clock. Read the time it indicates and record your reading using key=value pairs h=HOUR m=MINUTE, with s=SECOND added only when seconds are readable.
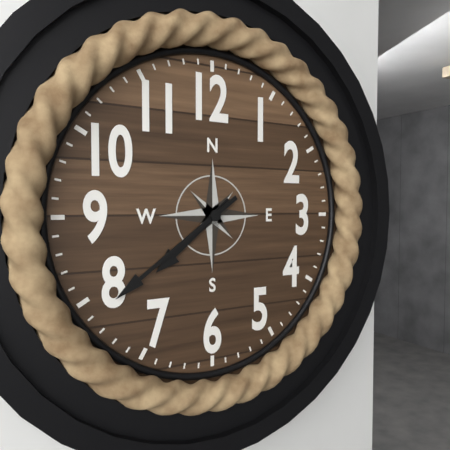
h=7 m=39
